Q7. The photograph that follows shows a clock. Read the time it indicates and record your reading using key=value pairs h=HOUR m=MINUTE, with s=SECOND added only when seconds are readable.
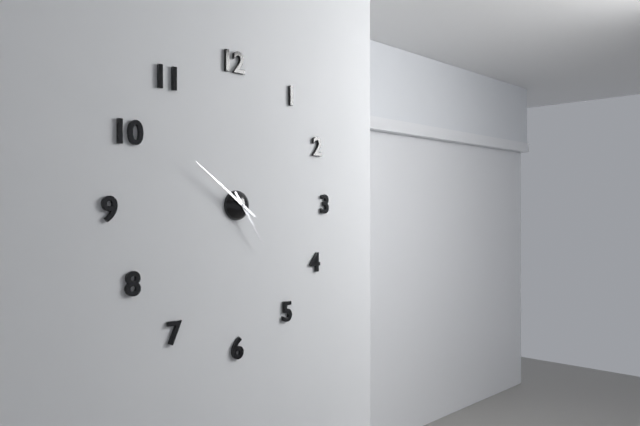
h=4 m=51
